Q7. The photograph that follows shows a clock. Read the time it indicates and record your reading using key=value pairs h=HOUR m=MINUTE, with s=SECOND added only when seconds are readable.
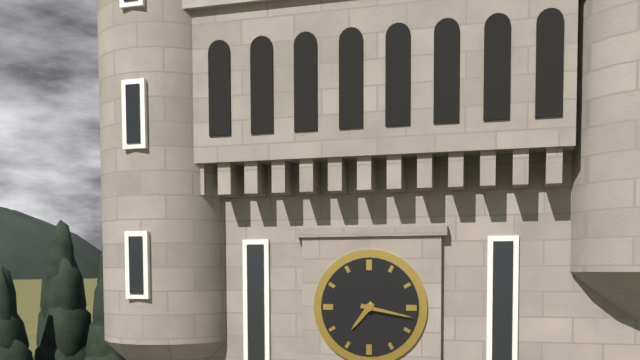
h=7 m=17
